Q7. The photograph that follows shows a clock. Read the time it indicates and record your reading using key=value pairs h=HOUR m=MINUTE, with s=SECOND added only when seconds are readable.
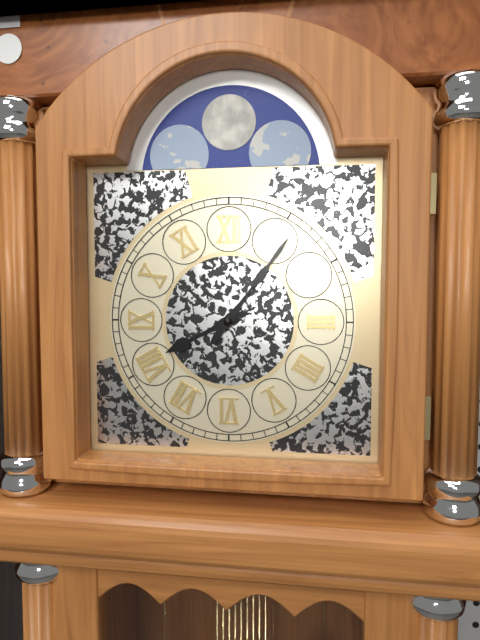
h=8 m=6
